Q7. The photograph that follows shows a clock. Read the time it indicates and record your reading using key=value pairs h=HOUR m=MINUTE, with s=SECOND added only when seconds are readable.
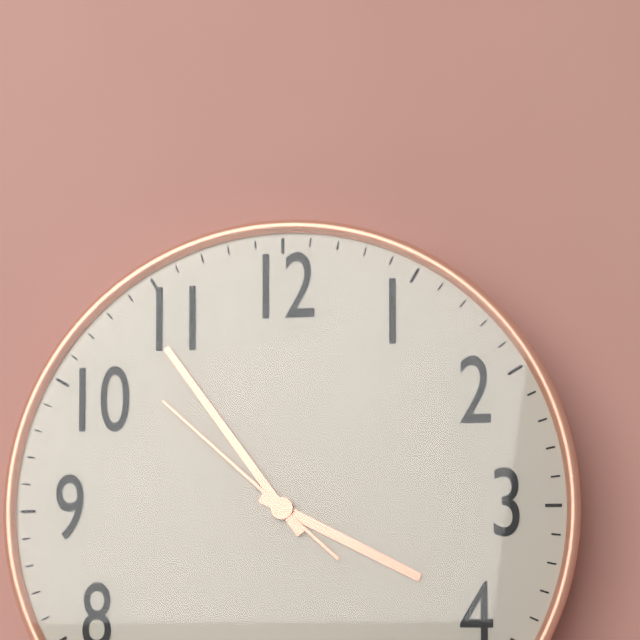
h=3 m=54 s=52
